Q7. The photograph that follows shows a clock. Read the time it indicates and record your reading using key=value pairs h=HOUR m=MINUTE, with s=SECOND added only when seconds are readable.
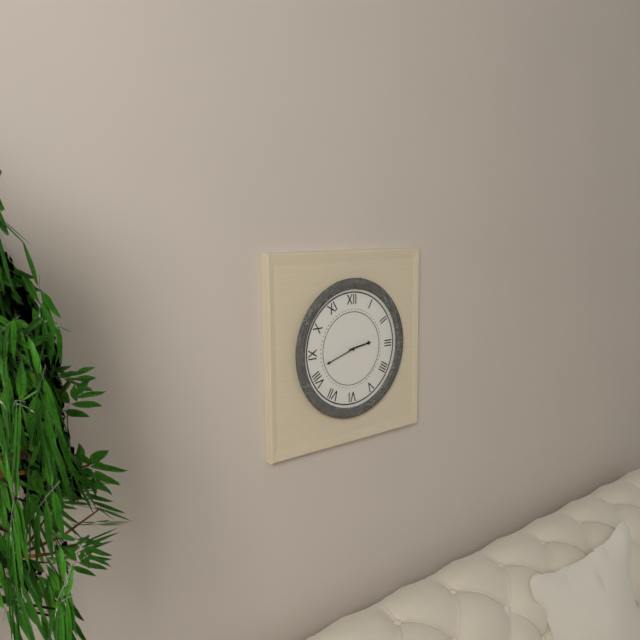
h=2 m=42
